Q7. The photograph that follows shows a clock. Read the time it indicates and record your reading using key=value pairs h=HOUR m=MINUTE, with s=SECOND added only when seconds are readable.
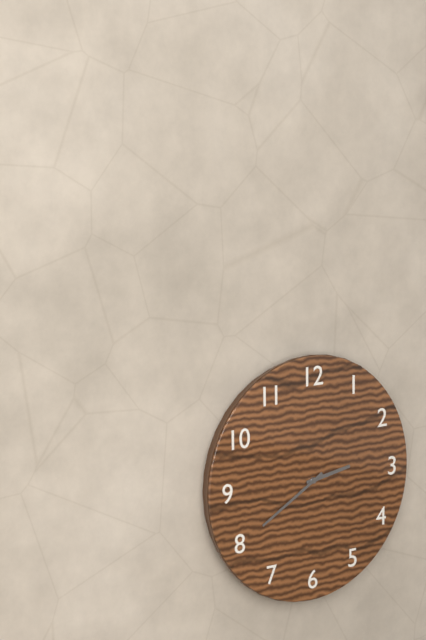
h=2 m=40
